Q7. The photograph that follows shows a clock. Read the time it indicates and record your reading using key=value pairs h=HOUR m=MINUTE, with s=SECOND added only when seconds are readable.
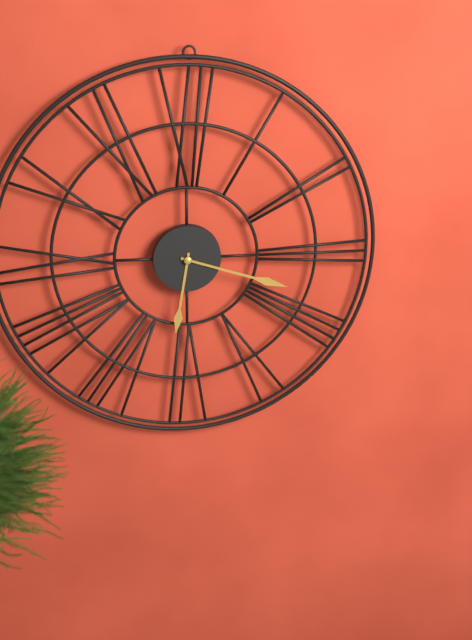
h=6 m=18
